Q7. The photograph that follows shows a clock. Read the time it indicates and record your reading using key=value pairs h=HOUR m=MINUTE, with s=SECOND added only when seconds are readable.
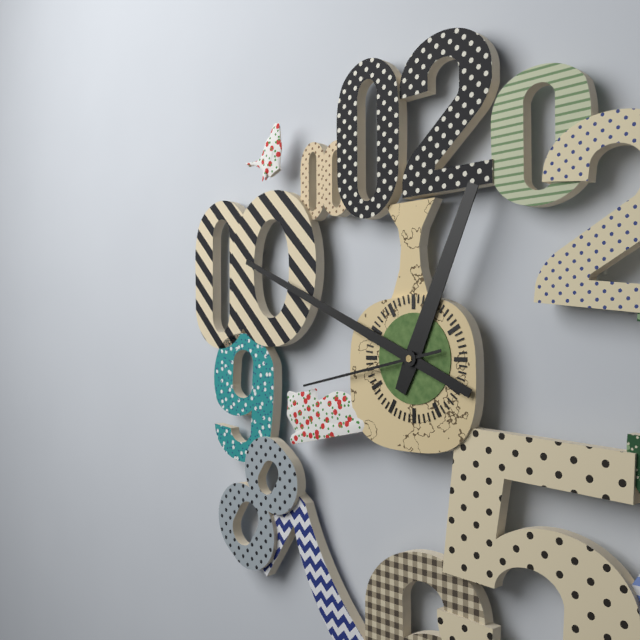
h=12 m=49 s=43
